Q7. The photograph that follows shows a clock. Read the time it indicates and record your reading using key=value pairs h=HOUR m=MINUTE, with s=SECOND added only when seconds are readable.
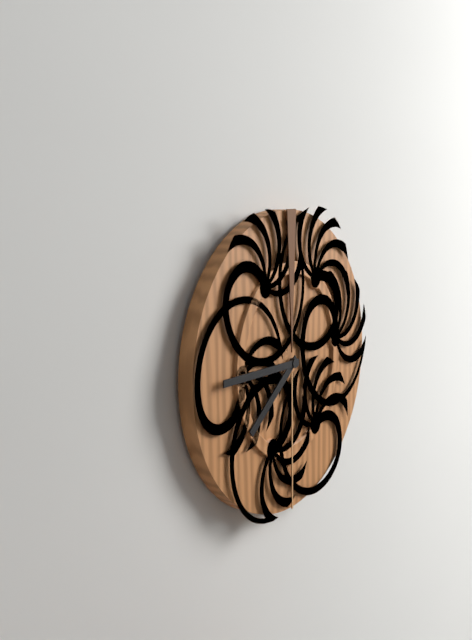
h=7 m=45
